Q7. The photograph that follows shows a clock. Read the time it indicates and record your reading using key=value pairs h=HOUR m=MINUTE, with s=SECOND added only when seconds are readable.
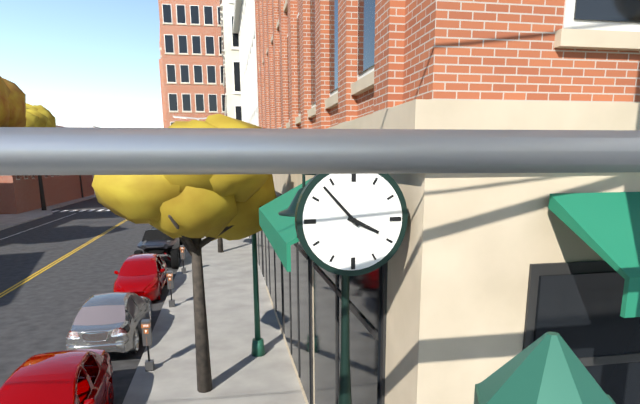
h=3 m=53
